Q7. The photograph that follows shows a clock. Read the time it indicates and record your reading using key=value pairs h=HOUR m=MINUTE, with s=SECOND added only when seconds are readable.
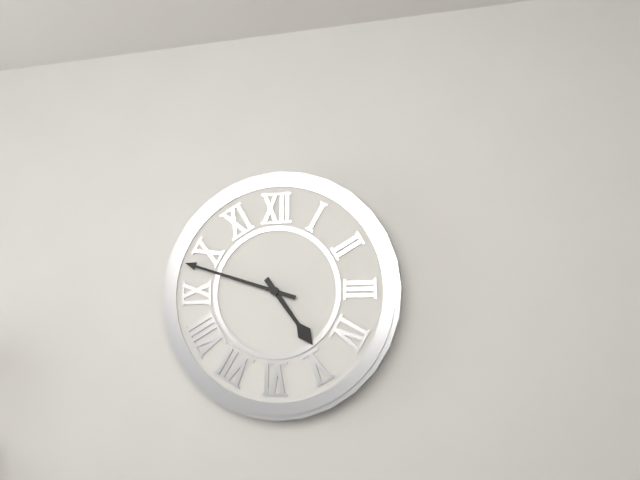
h=4 m=48
